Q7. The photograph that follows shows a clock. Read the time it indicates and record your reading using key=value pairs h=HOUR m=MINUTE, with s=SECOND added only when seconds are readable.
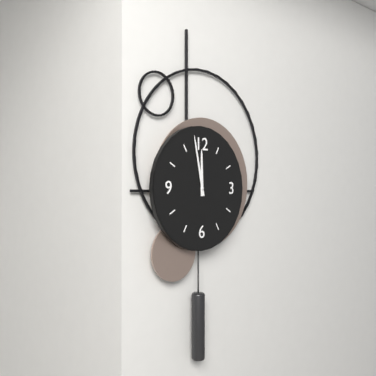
h=11 m=58
